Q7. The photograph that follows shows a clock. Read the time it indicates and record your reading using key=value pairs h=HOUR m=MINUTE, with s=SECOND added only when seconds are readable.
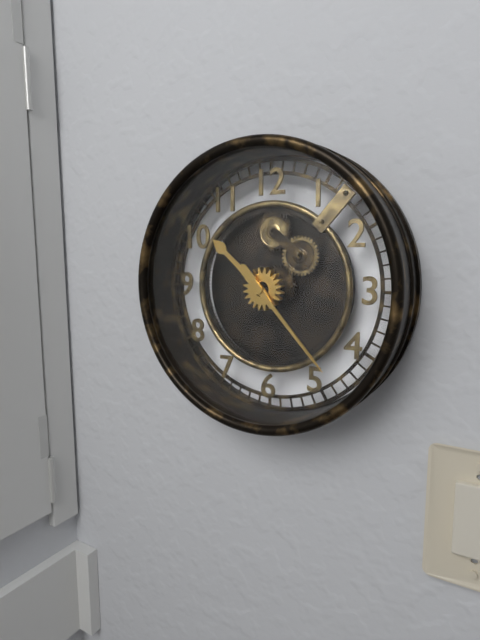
h=10 m=23
